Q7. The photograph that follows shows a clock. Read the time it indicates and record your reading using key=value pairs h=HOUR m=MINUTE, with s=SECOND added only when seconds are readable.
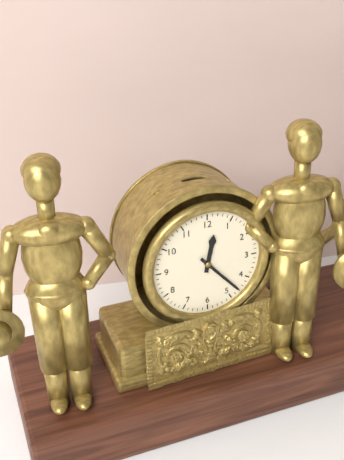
h=12 m=23
